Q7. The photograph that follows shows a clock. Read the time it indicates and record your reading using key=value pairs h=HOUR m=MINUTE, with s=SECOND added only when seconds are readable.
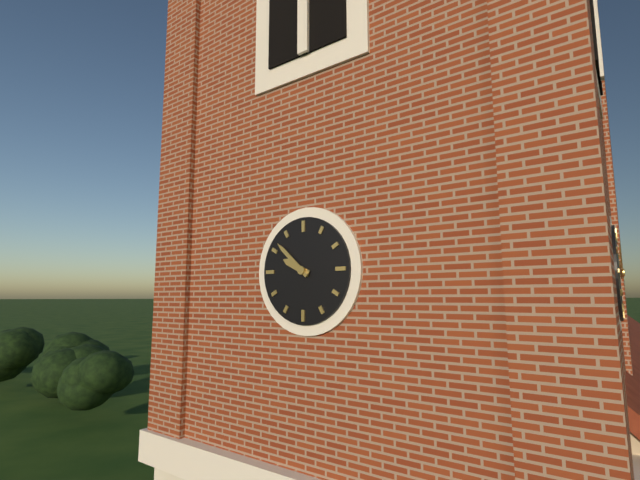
h=9 m=52
